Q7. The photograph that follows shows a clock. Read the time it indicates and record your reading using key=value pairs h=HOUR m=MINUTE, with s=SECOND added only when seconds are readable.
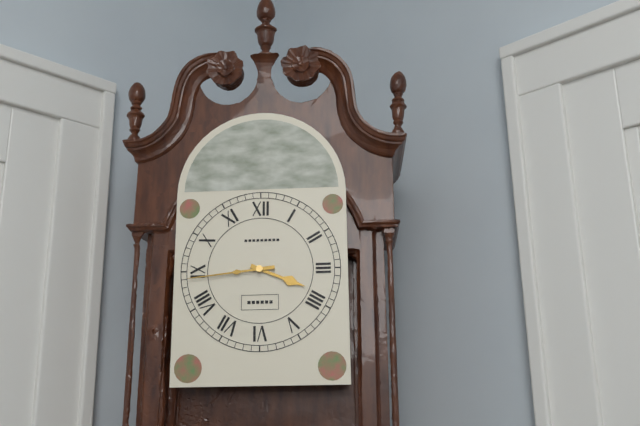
h=3 m=44
